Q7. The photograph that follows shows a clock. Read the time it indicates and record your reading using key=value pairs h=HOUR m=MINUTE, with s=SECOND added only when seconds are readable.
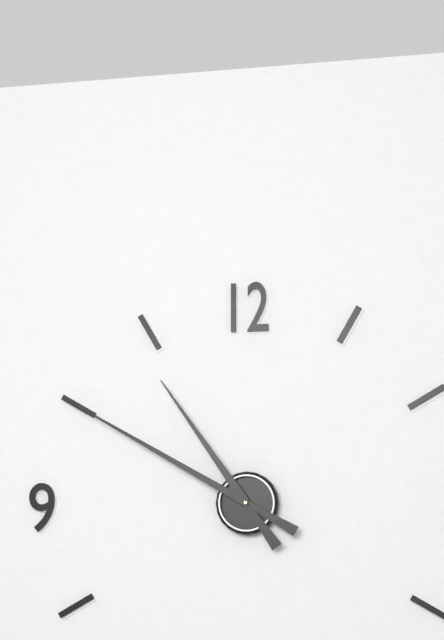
h=10 m=50
